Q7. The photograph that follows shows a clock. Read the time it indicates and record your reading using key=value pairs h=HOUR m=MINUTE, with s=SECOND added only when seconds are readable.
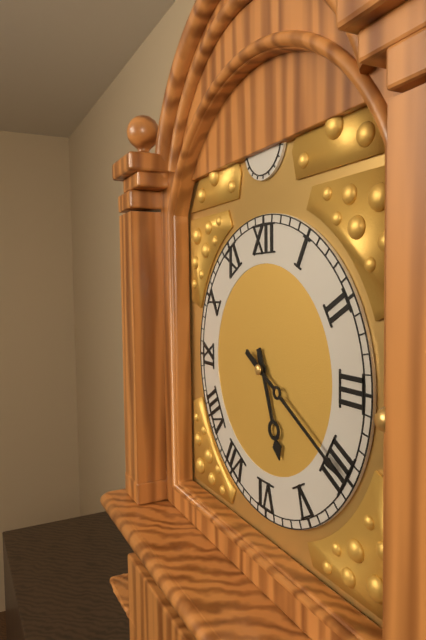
h=5 m=20
